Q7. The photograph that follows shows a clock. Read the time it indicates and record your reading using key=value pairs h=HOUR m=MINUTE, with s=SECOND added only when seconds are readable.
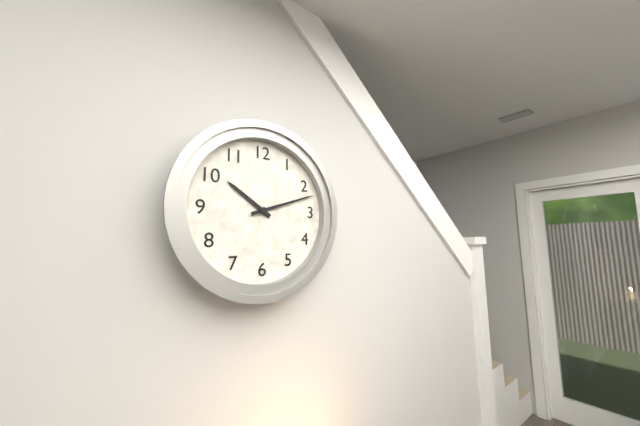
h=10 m=12
